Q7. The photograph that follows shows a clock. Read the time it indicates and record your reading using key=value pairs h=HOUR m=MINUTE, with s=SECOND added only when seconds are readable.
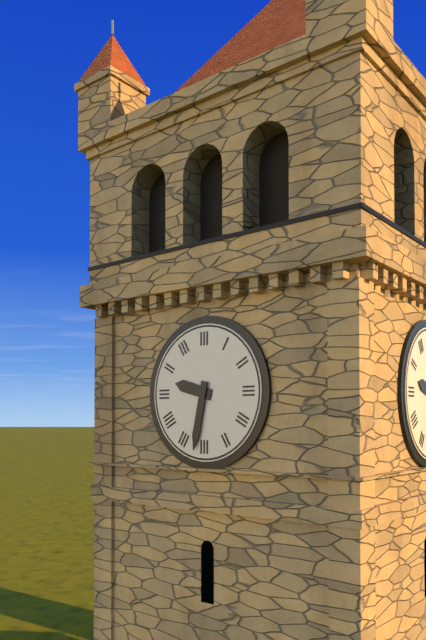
h=9 m=32
